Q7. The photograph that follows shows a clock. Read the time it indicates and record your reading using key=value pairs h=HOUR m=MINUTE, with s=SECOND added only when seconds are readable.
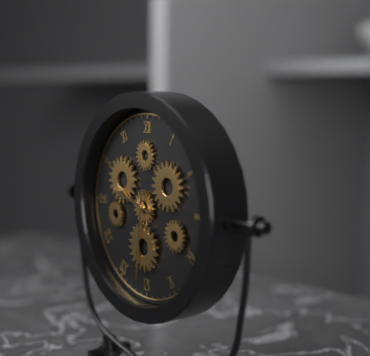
h=9 m=31
